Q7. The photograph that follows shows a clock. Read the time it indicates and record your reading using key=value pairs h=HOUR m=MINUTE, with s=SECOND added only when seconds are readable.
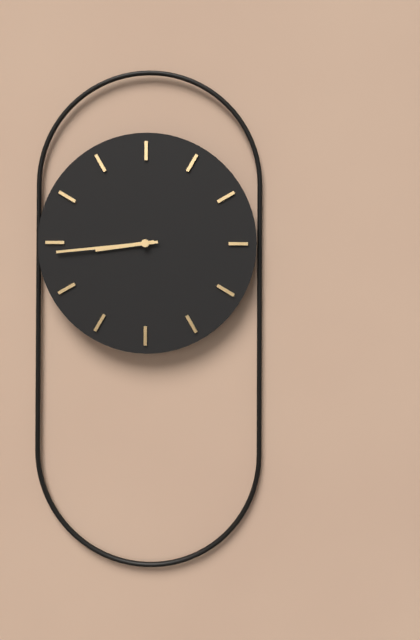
h=8 m=44
